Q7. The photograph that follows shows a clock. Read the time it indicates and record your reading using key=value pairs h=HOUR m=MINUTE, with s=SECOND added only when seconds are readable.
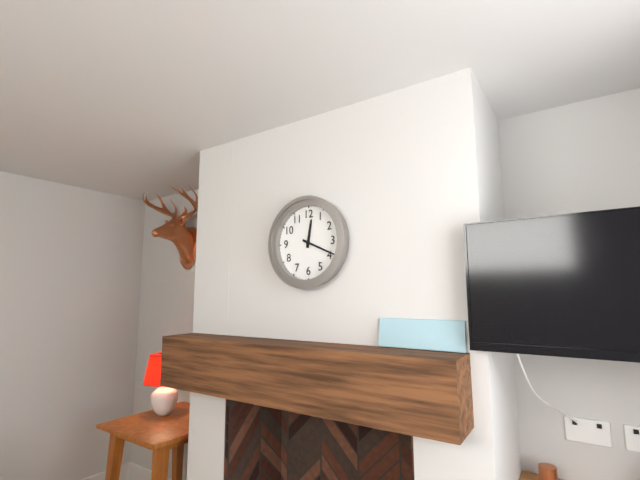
h=12 m=19
